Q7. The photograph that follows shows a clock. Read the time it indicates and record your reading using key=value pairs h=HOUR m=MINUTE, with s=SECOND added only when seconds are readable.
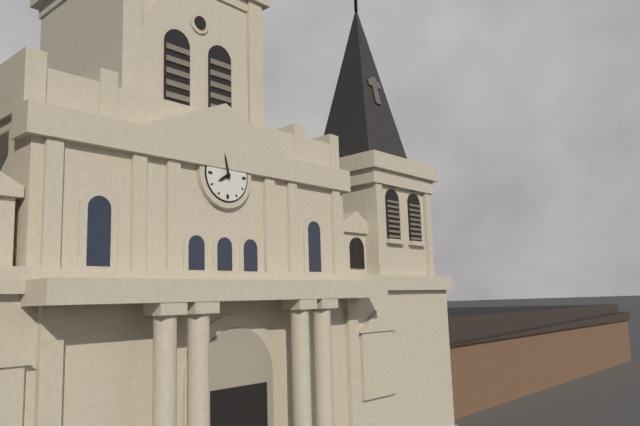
h=7 m=58
